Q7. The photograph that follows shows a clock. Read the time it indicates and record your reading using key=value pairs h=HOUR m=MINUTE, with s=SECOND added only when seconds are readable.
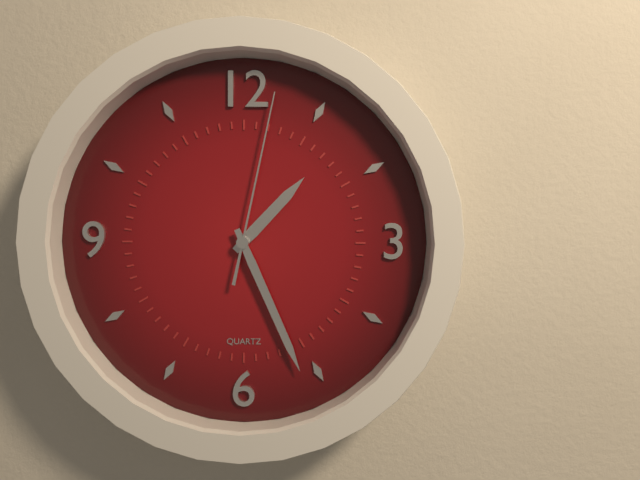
h=1 m=26 s=2
